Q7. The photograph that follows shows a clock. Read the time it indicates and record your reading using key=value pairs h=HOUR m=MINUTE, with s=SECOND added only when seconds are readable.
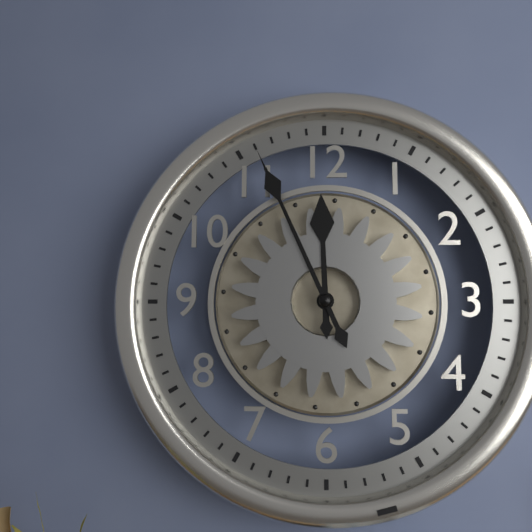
h=11 m=56
